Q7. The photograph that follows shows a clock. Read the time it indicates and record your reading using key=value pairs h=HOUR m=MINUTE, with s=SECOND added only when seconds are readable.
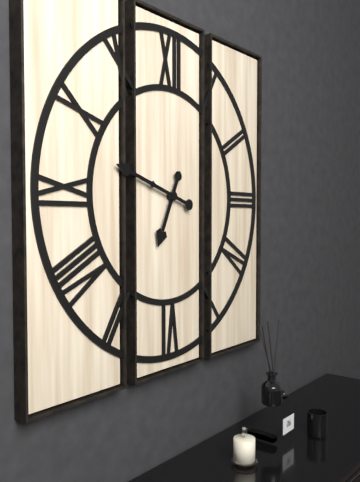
h=6 m=48
